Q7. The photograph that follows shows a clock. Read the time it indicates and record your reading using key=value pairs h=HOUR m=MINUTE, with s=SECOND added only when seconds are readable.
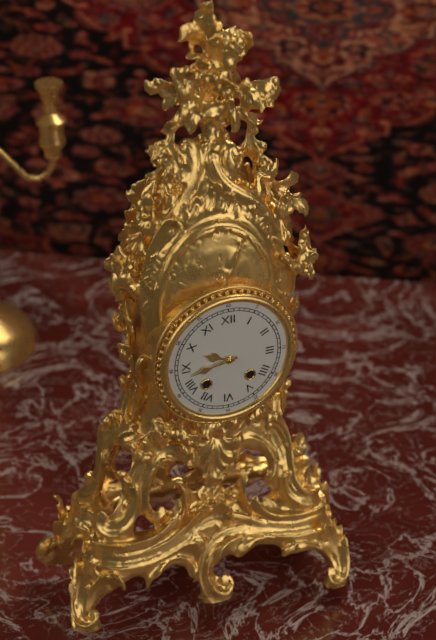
h=9 m=43
